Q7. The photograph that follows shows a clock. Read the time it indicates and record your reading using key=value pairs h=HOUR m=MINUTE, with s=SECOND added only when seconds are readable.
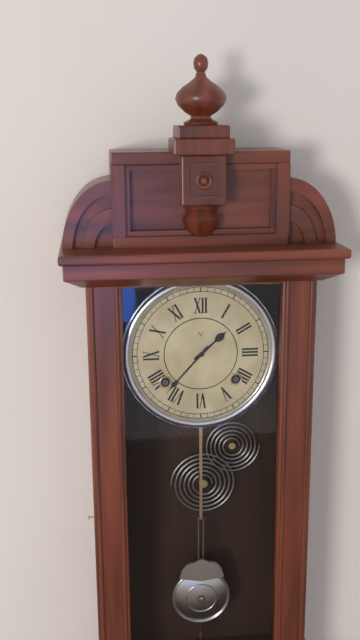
h=1 m=37
